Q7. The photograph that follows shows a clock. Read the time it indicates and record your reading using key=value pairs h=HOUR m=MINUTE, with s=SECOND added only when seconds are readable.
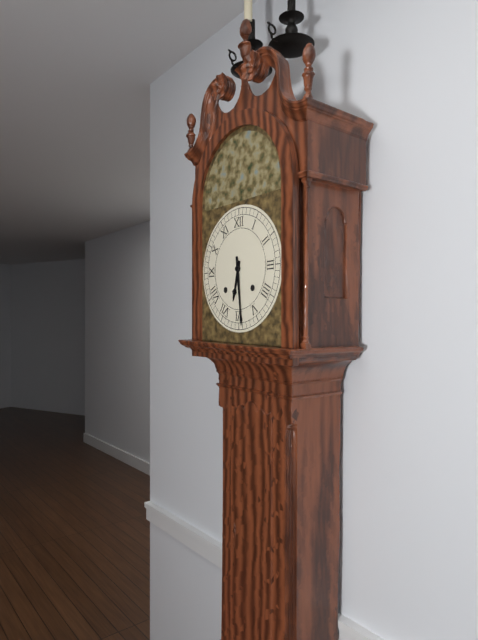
h=6 m=29
